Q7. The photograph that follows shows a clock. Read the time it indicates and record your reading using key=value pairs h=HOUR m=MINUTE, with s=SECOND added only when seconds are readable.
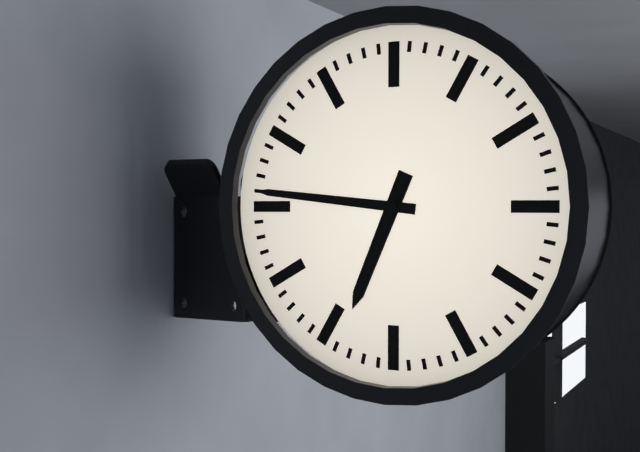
h=6 m=46
